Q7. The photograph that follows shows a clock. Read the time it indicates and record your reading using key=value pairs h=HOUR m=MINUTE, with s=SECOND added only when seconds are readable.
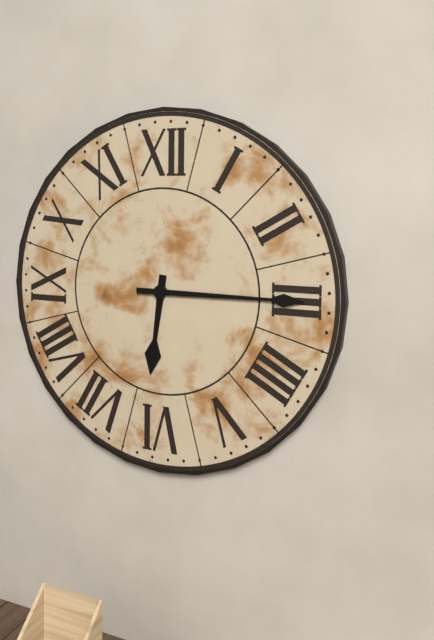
h=6 m=15
